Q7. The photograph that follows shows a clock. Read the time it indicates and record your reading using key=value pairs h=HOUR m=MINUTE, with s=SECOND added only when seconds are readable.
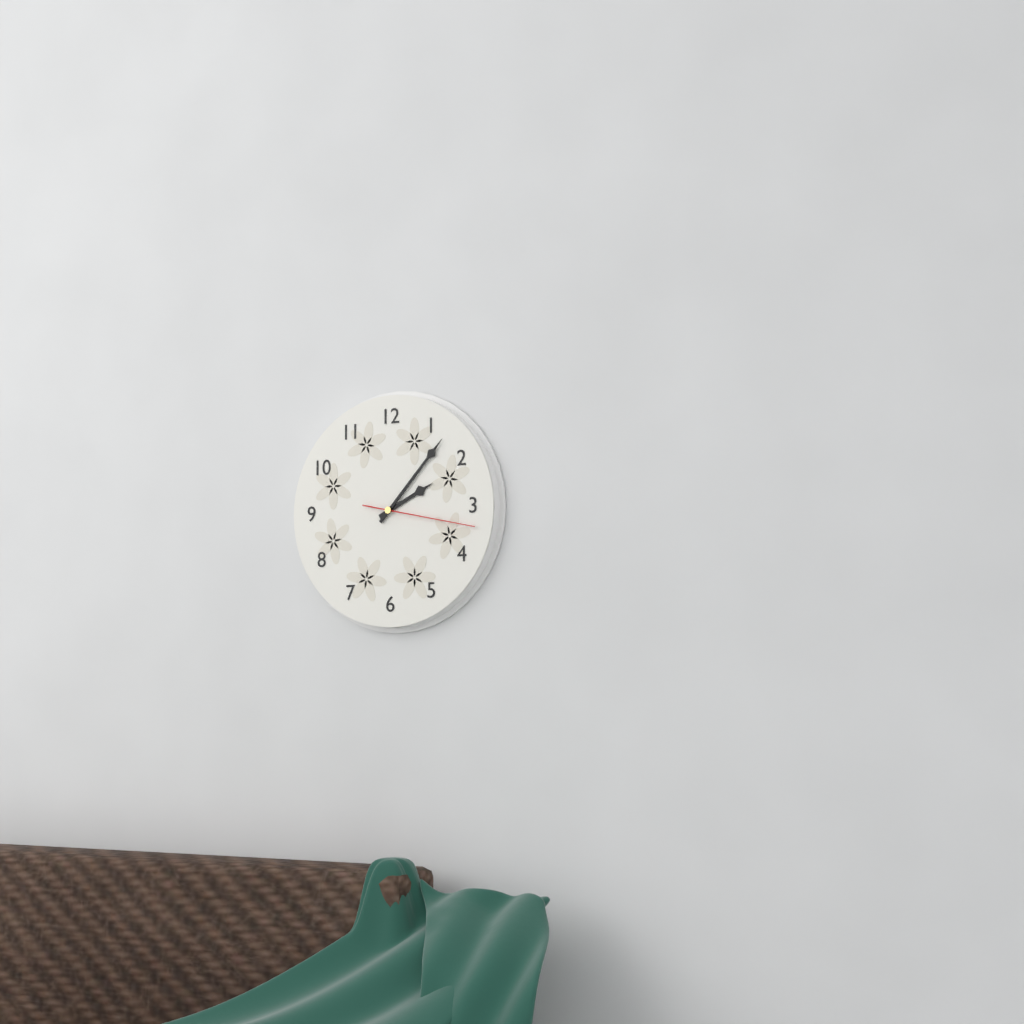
h=2 m=7 s=17
